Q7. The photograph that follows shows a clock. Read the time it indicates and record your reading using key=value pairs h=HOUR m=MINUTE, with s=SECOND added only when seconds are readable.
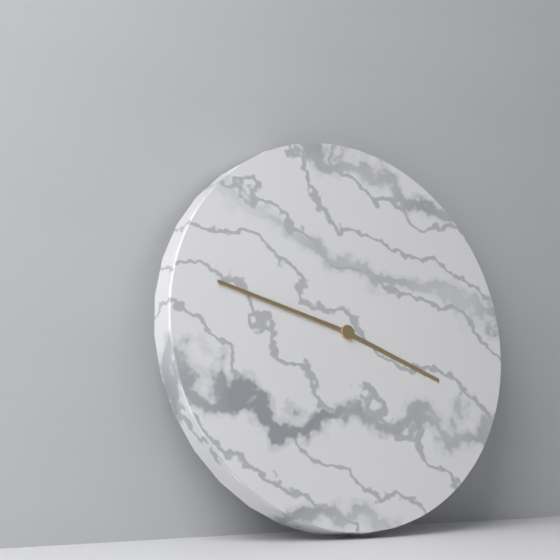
h=3 m=48
